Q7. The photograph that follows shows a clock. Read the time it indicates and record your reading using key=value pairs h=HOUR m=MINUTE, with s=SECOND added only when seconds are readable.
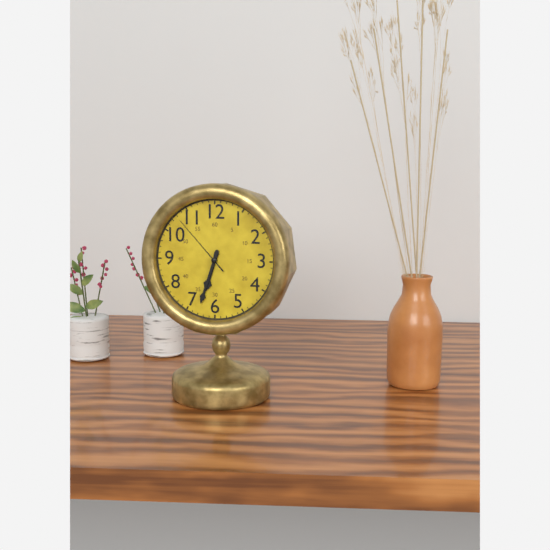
h=6 m=33 s=53
